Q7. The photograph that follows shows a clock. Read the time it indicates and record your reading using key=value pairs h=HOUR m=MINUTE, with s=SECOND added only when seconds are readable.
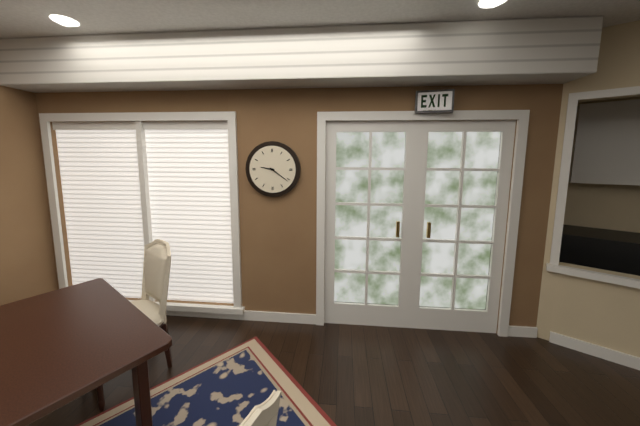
h=9 m=21
